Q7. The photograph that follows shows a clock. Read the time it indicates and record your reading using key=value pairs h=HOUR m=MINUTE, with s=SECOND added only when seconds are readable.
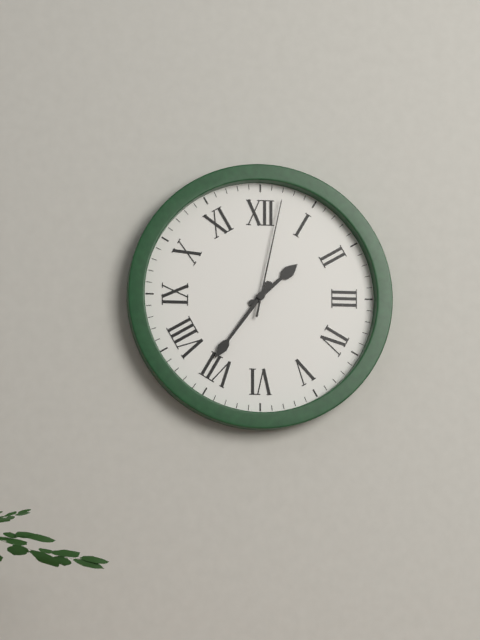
h=1 m=36 s=2
